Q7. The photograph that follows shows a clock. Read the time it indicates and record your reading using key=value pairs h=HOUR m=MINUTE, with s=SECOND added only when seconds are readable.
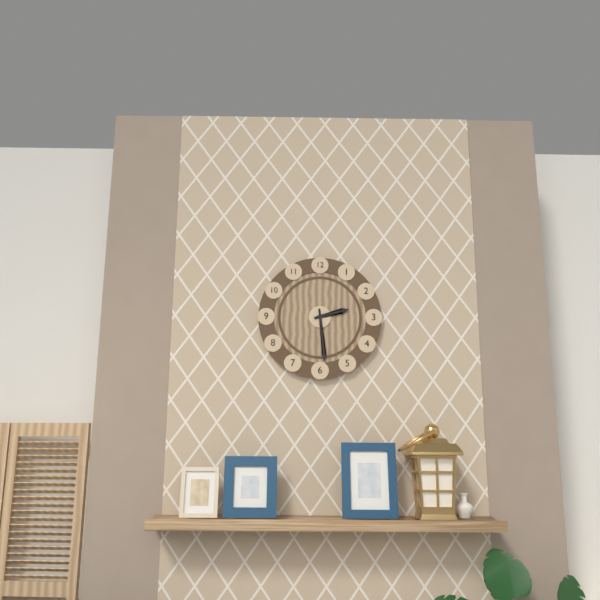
h=2 m=29
